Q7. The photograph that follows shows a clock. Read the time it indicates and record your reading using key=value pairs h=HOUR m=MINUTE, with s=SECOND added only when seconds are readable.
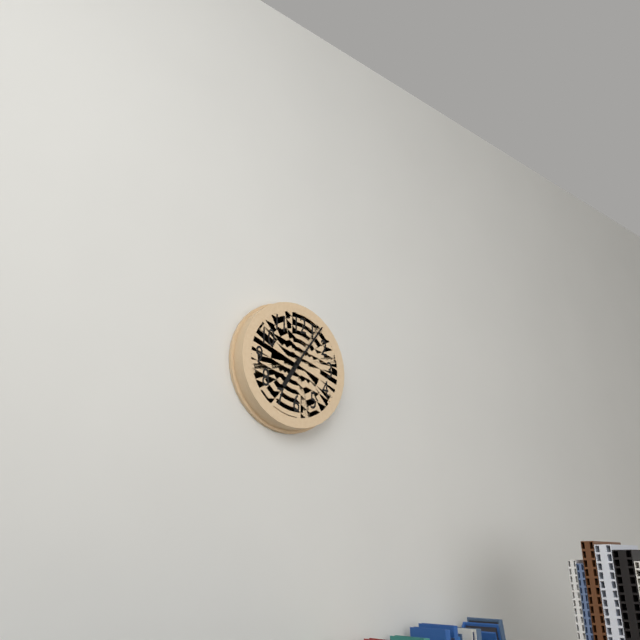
h=7 m=6
